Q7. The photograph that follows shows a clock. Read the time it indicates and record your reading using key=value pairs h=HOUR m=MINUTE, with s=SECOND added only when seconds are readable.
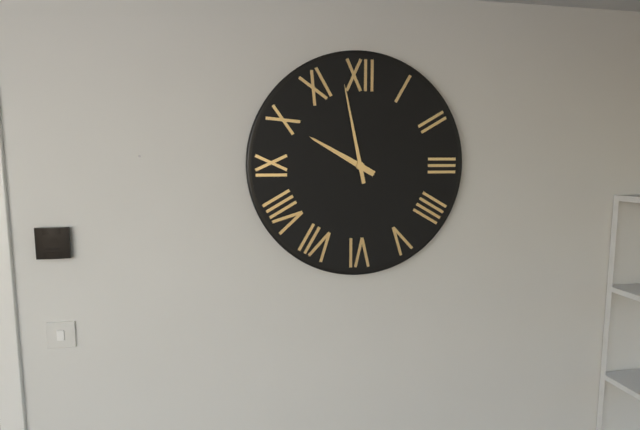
h=9 m=58
